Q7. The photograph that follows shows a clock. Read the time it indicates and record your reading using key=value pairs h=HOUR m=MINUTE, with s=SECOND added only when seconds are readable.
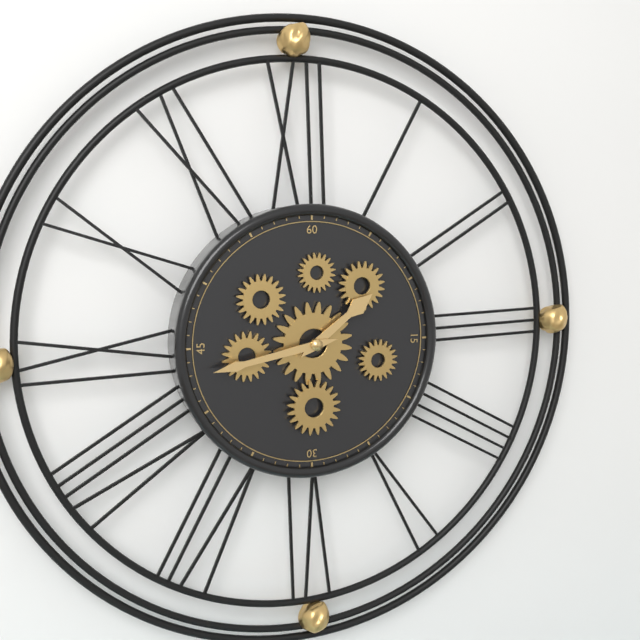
h=1 m=43
